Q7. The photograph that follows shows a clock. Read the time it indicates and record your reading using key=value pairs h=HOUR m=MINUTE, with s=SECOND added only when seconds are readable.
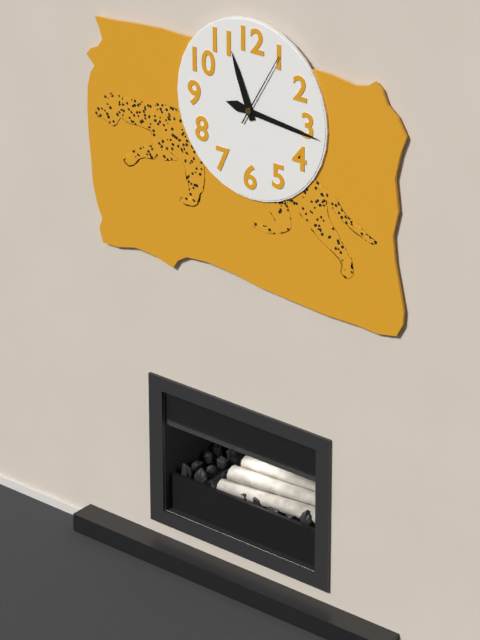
h=11 m=16 s=5
